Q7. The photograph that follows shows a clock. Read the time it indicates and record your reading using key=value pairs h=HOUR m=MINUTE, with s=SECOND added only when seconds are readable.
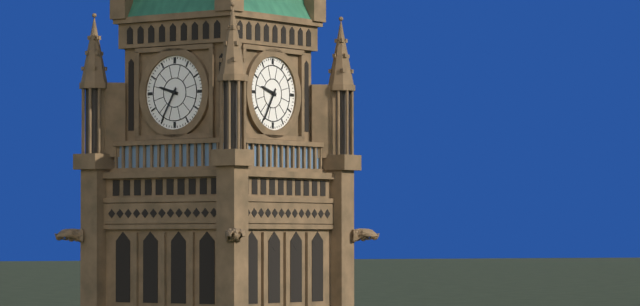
h=9 m=35
